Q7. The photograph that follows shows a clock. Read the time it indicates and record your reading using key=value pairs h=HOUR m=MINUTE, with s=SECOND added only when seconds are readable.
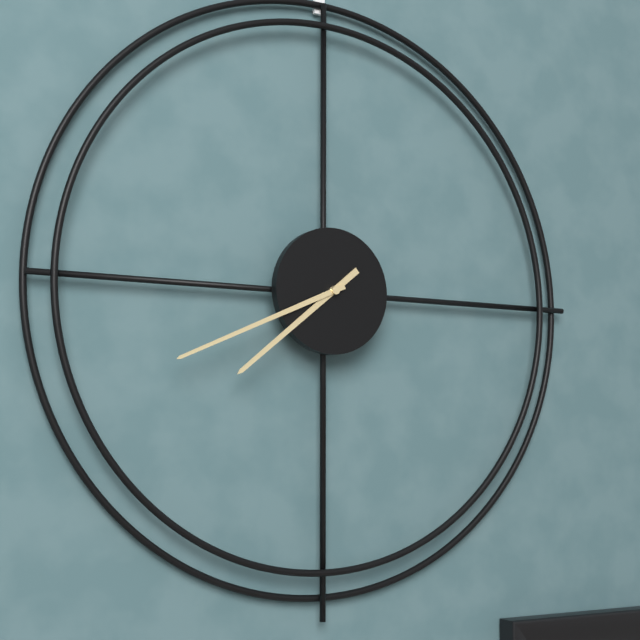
h=7 m=41
